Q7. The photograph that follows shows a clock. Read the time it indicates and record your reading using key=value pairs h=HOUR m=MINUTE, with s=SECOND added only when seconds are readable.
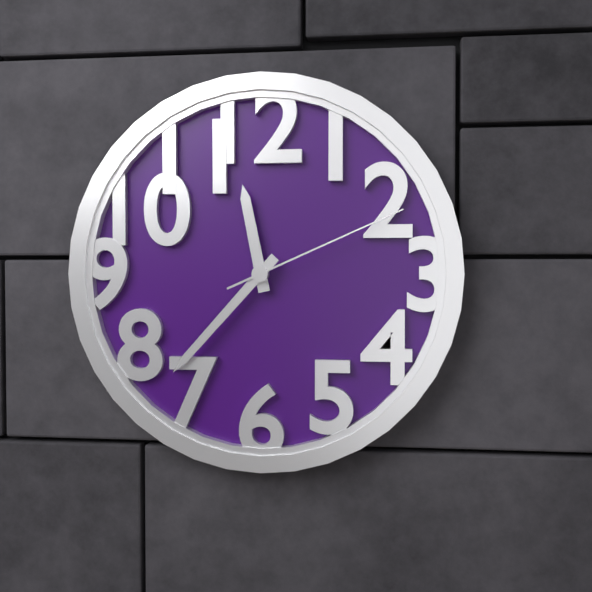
h=11 m=37 s=11
